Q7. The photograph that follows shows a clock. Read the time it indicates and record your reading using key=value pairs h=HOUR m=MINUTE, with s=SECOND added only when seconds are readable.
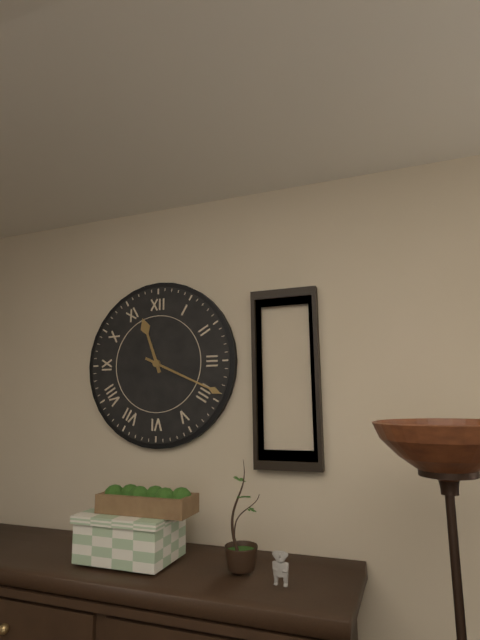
h=11 m=19
